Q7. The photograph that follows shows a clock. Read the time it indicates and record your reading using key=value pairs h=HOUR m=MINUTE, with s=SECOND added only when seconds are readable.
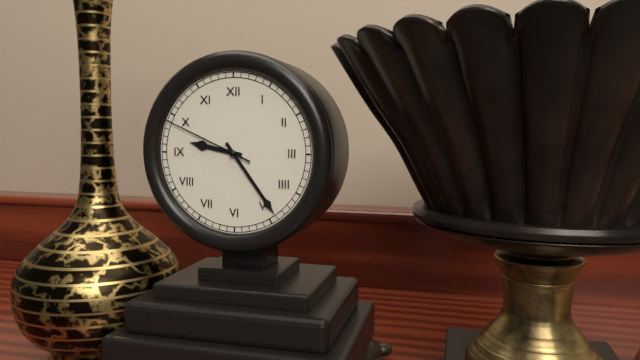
h=9 m=24 s=49
